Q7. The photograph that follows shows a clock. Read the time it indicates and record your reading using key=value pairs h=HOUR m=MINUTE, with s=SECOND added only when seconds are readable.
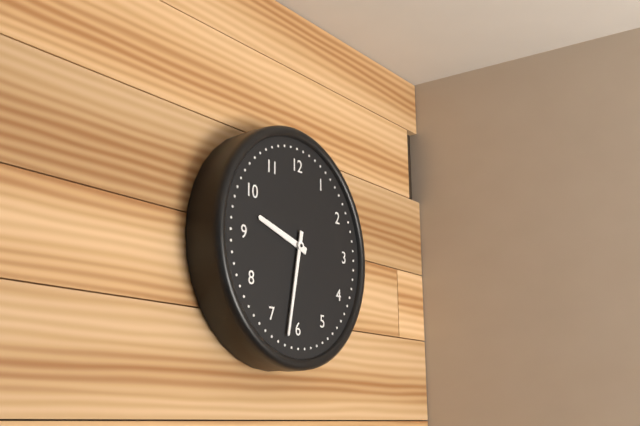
h=9 m=32
